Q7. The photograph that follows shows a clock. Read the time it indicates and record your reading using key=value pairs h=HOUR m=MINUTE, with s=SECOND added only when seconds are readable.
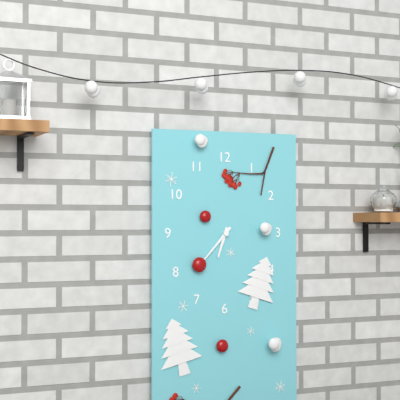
h=6 m=37
